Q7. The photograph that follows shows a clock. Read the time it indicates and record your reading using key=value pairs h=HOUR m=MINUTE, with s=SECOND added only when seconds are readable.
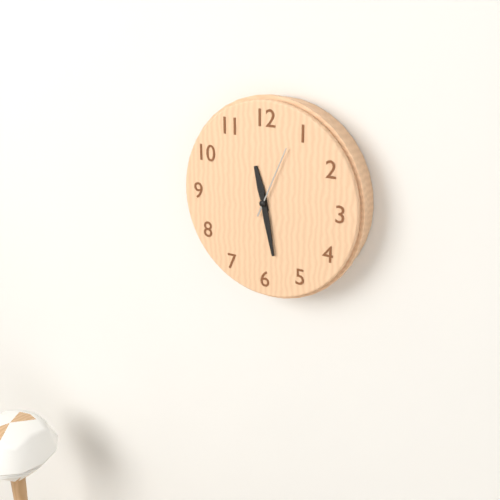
h=11 m=28 s=4
